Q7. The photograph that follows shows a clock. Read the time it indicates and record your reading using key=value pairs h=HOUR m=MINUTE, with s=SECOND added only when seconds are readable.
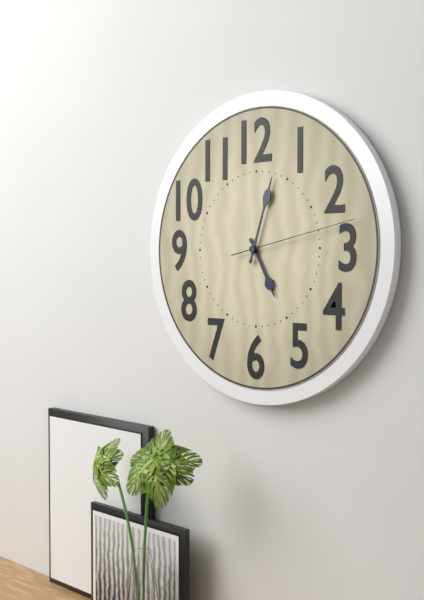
h=5 m=3 s=13
